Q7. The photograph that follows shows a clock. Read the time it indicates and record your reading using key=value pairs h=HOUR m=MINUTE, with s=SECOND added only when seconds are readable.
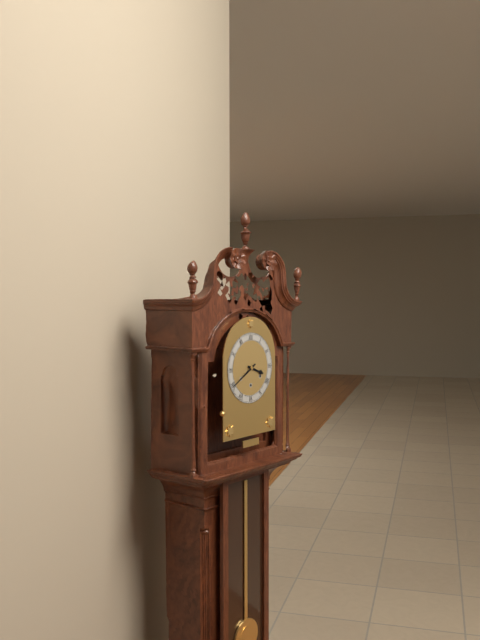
h=3 m=40
